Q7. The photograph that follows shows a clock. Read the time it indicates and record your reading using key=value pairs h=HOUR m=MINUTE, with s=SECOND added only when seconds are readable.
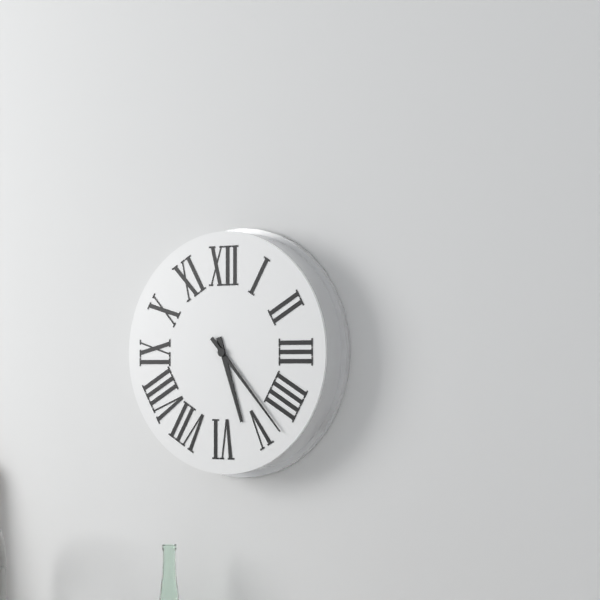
h=5 m=23
